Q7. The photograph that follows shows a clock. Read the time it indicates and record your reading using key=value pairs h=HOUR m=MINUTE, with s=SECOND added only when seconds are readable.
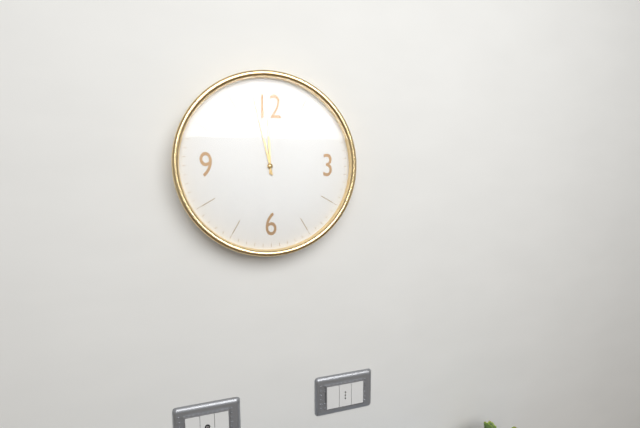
h=11 m=58
